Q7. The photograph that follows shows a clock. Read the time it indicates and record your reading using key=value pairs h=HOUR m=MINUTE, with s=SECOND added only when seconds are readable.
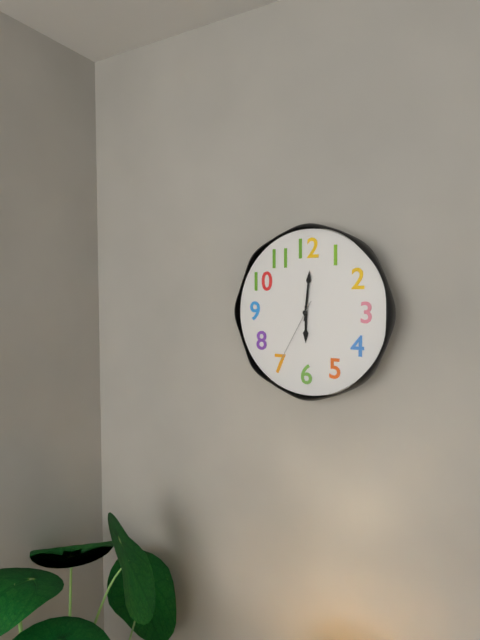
h=6 m=1 s=35
